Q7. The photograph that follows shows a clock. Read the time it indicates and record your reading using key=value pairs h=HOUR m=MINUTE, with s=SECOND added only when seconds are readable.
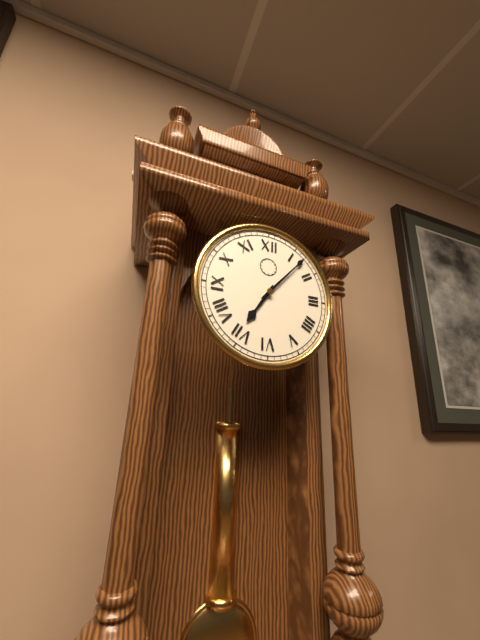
h=7 m=7
